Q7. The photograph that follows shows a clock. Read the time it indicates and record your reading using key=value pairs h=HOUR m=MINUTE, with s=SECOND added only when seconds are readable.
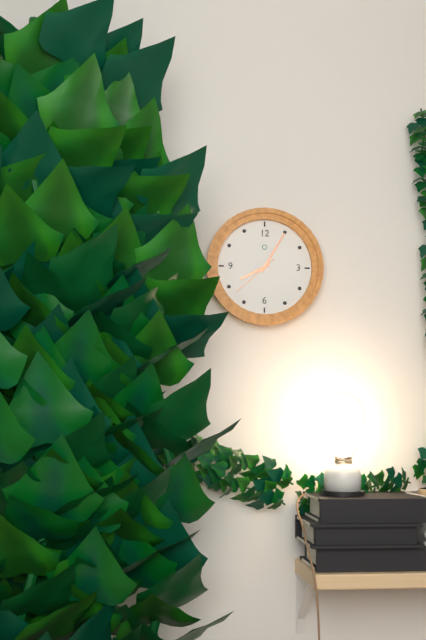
h=8 m=5
